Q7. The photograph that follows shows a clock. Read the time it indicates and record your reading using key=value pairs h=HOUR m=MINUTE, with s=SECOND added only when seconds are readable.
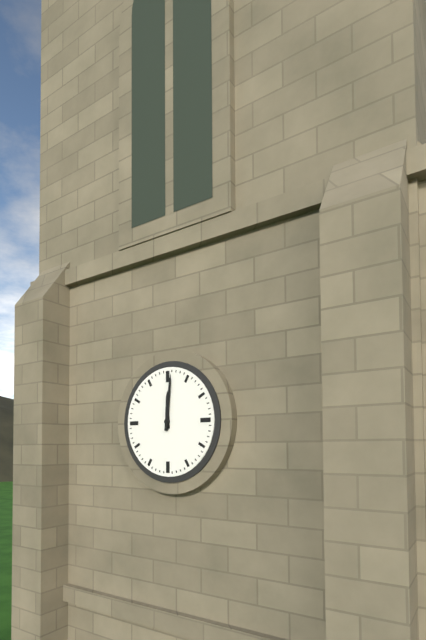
h=12 m=1
